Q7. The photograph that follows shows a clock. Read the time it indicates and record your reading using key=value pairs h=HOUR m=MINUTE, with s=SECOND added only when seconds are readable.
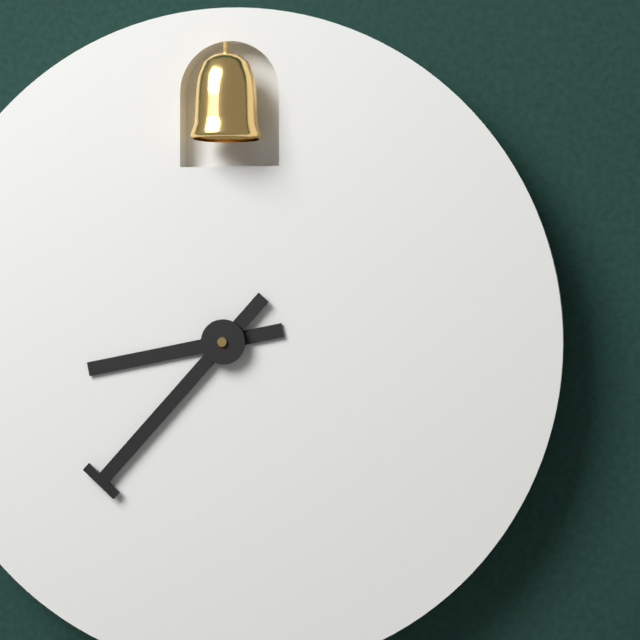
h=8 m=37
